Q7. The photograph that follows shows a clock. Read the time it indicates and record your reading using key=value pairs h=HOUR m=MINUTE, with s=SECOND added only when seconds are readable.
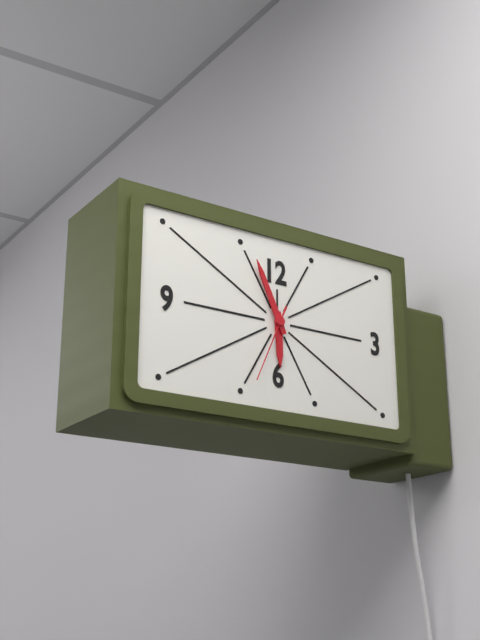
h=5 m=56 s=34
